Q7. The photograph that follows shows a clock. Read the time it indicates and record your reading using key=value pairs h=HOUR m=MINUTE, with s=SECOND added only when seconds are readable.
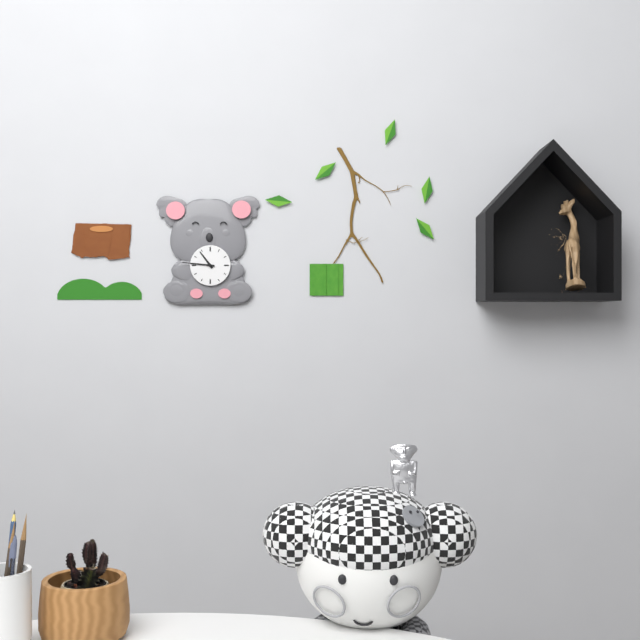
h=10 m=46
